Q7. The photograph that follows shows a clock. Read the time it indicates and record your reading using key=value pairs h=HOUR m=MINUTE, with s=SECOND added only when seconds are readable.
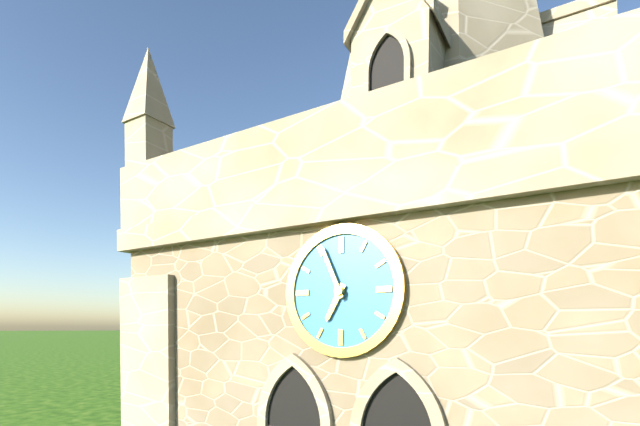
h=6 m=56
